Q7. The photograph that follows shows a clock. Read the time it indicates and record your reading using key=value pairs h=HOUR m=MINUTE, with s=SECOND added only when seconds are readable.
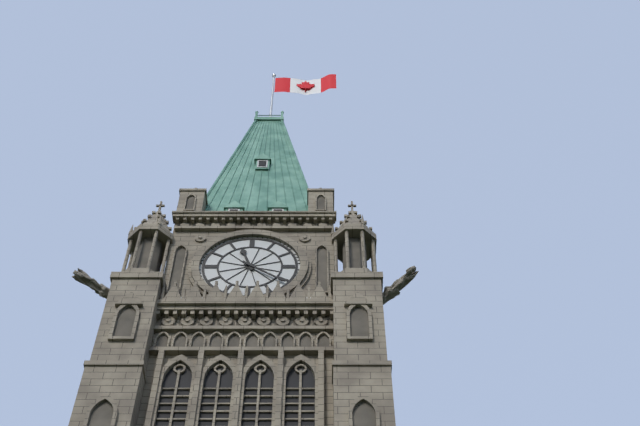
h=11 m=21
